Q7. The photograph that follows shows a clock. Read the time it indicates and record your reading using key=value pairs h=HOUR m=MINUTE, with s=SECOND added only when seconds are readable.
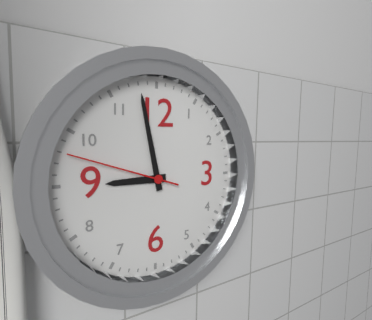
h=8 m=58 s=48
